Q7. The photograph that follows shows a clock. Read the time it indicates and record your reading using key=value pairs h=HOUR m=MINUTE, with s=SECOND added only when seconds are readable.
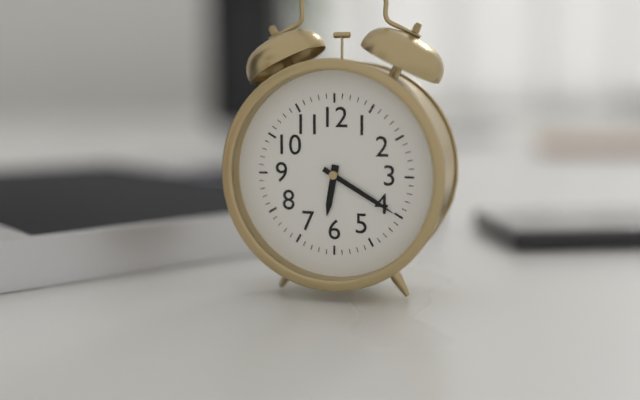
h=6 m=20
